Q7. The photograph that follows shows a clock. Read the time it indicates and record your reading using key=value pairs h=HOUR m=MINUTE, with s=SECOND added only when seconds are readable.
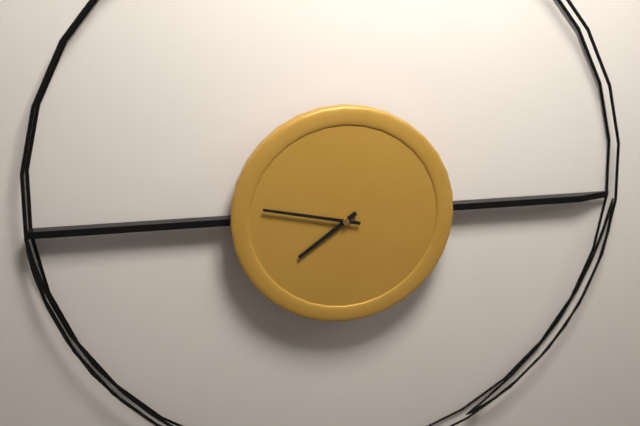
h=7 m=47
